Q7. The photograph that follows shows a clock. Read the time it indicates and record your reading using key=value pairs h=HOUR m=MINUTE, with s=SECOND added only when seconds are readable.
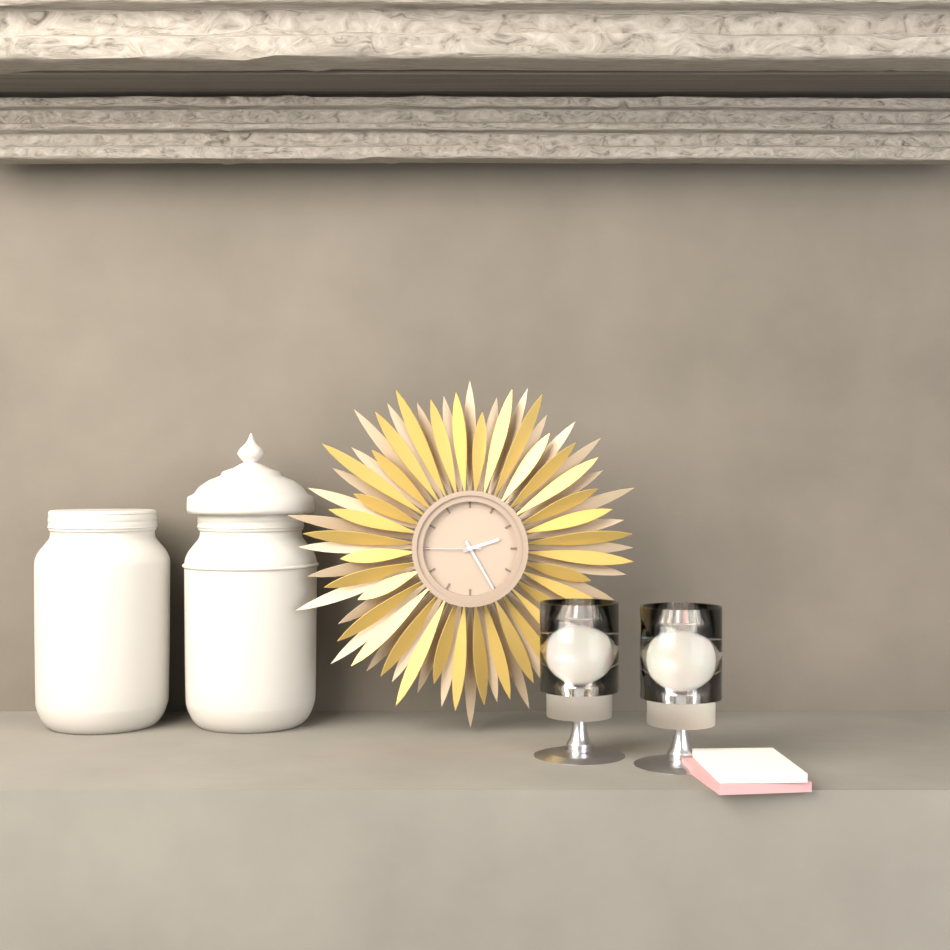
h=2 m=25 s=45
